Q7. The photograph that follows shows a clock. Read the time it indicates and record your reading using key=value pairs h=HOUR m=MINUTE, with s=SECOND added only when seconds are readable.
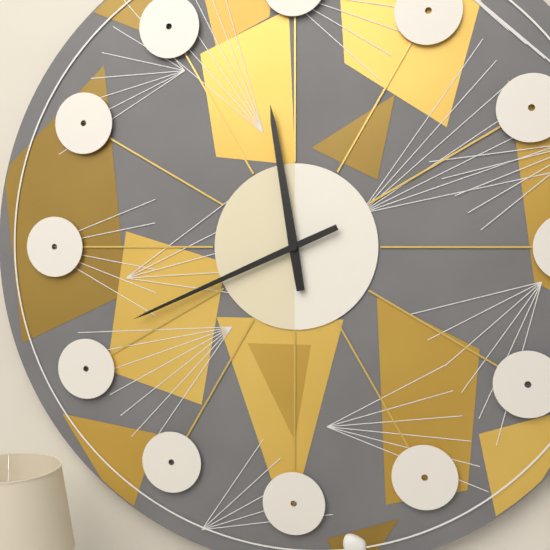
h=11 m=41
